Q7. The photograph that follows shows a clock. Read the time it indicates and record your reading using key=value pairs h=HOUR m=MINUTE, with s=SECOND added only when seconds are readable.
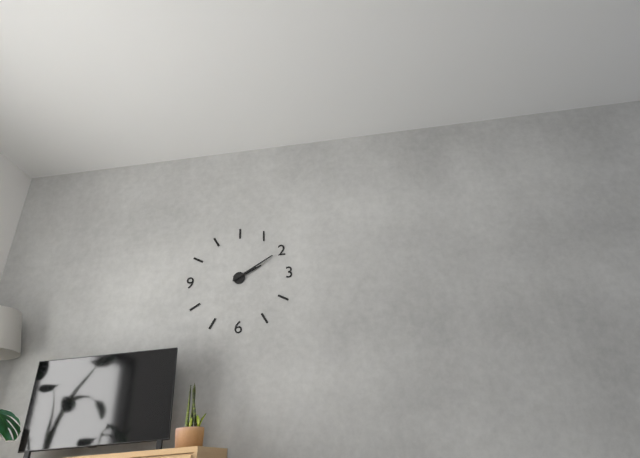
h=2 m=10
